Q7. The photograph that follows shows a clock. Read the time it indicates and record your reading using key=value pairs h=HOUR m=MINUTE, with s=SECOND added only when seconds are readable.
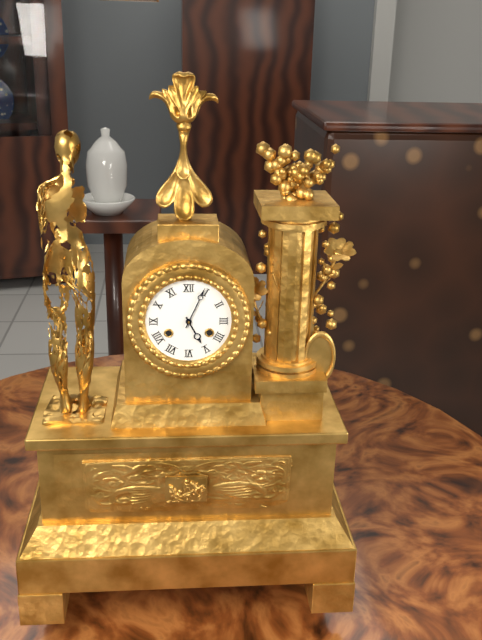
h=5 m=4
